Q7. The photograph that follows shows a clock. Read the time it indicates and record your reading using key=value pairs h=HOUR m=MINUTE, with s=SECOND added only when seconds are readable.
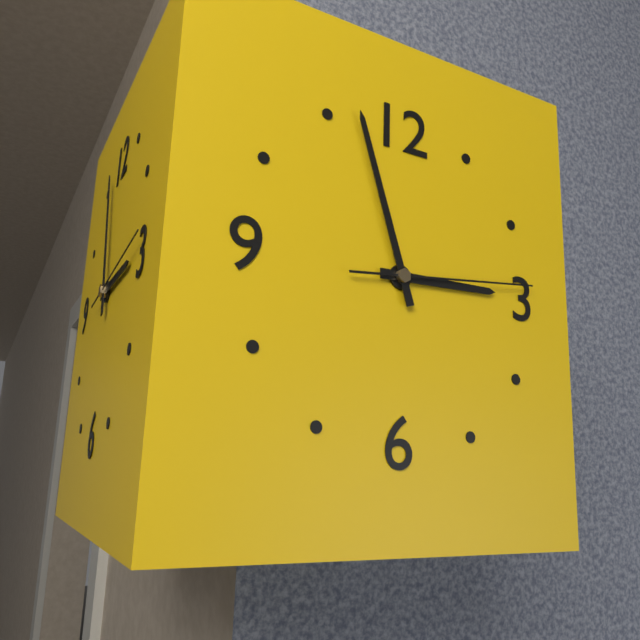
h=2 m=57 s=14
